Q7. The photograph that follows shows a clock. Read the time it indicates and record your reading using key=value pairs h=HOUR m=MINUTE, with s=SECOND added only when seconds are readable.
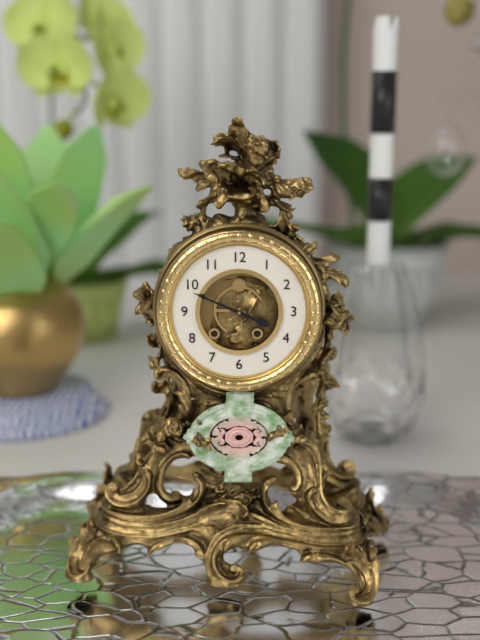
h=3 m=49
